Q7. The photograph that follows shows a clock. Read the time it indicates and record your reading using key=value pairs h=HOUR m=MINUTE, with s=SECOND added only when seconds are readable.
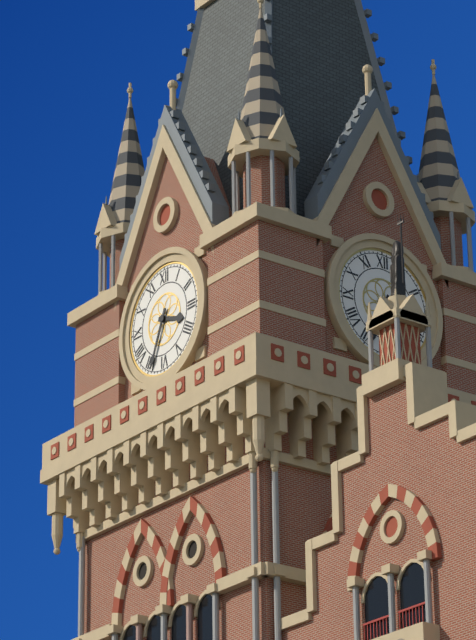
h=3 m=34
